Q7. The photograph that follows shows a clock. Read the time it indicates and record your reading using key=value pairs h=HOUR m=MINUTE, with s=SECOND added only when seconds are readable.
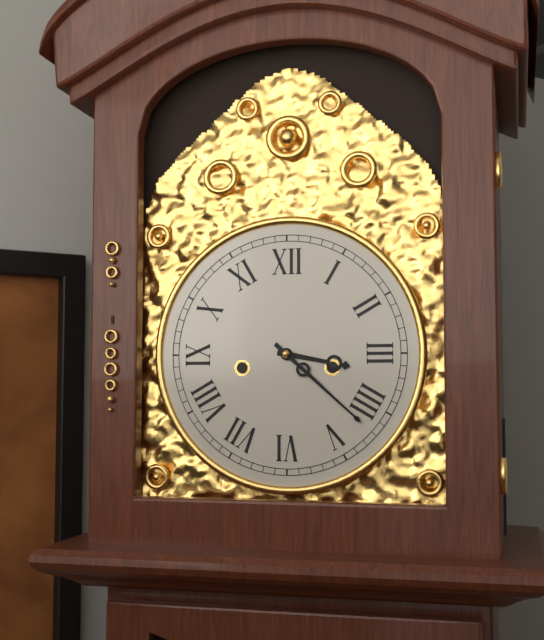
h=3 m=22
